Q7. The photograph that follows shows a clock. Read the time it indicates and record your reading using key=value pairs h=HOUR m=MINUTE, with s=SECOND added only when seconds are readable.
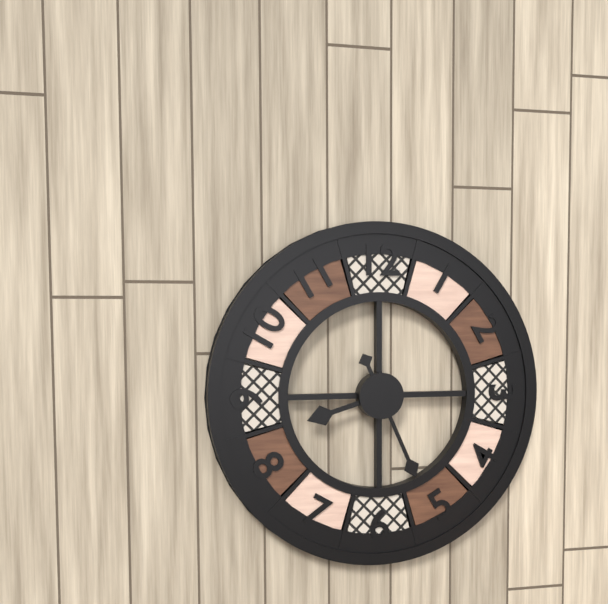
h=8 m=26
